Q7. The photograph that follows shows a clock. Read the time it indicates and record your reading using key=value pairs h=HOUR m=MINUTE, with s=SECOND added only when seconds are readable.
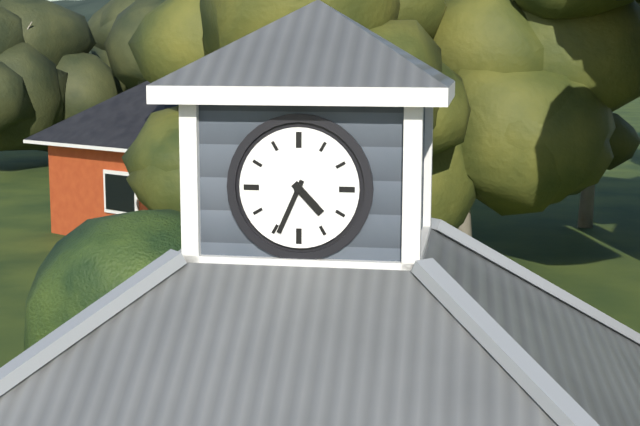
h=4 m=34
